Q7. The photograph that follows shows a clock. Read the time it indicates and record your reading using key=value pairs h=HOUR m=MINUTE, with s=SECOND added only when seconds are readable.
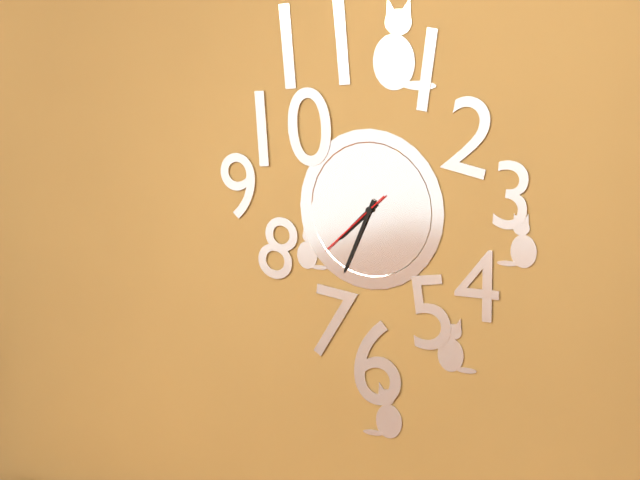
h=7 m=34 s=38
